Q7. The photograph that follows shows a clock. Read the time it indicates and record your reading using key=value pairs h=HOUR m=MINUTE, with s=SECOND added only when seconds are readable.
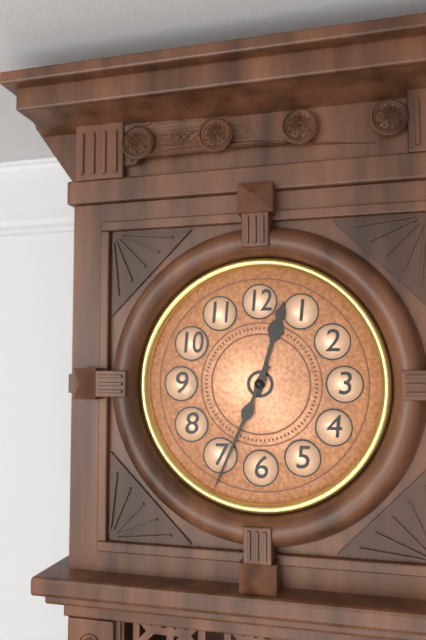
h=12 m=34
